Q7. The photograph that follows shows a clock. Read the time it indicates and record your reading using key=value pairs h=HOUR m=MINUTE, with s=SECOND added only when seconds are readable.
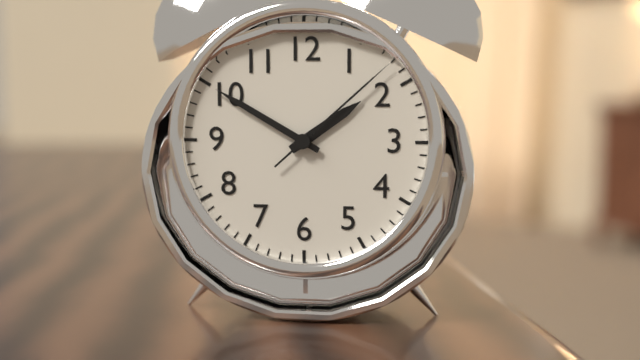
h=1 m=50 s=8
